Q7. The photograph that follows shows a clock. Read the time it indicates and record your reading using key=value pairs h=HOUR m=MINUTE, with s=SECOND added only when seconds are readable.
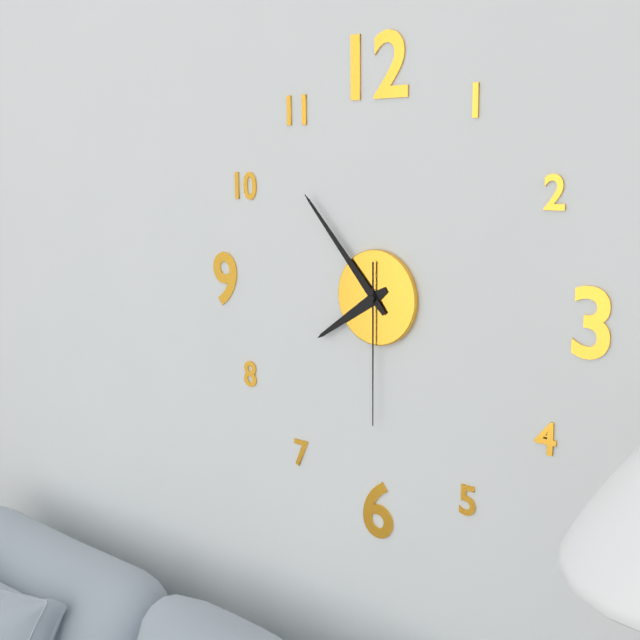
h=7 m=53 s=30
